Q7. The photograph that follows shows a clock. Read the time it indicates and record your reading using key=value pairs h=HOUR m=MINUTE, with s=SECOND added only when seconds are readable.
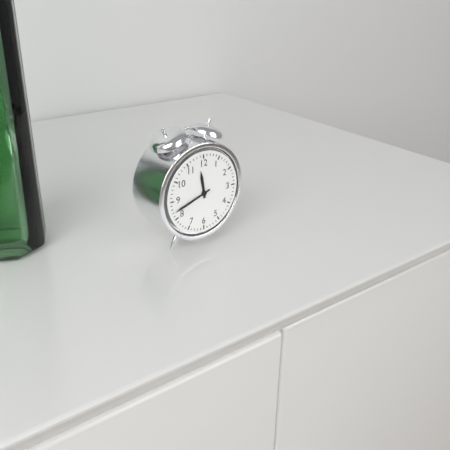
h=11 m=42
